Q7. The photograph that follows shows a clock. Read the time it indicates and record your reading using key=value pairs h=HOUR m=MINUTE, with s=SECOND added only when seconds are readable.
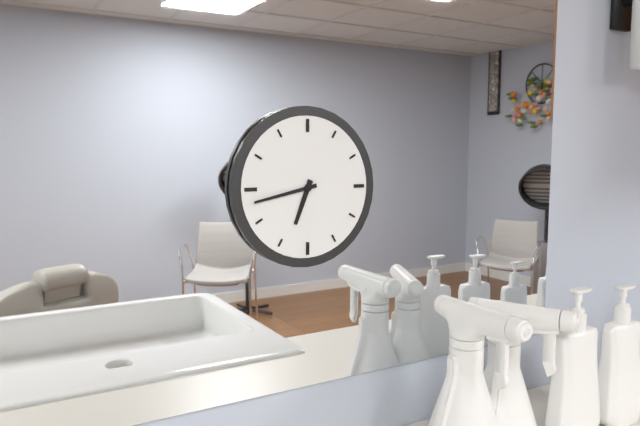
h=6 m=43
